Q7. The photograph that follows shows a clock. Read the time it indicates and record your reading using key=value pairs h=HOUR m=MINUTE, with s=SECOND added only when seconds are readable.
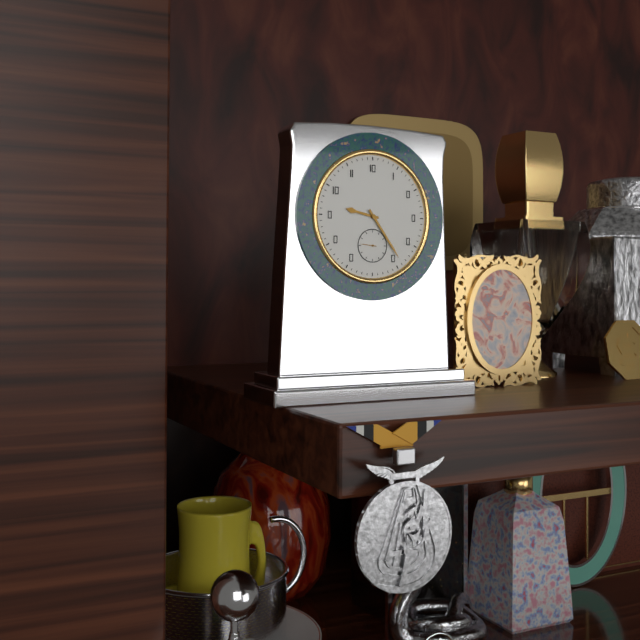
h=9 m=24
